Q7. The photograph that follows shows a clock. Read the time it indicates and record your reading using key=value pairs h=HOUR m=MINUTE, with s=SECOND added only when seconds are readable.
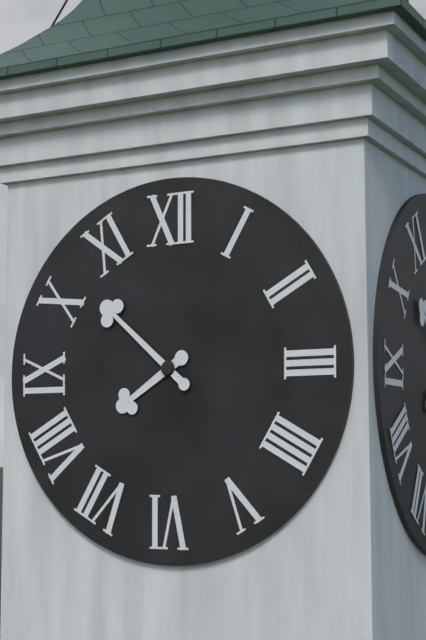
h=7 m=52
